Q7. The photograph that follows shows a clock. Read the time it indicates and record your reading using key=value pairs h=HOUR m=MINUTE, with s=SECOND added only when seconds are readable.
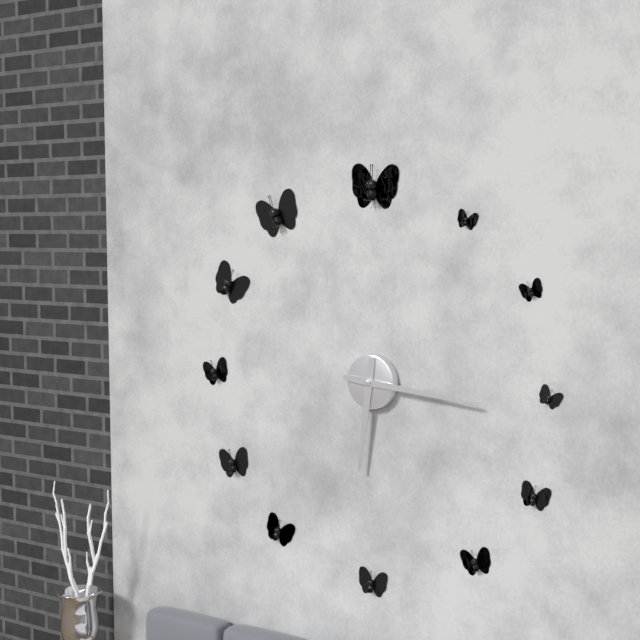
h=6 m=16
